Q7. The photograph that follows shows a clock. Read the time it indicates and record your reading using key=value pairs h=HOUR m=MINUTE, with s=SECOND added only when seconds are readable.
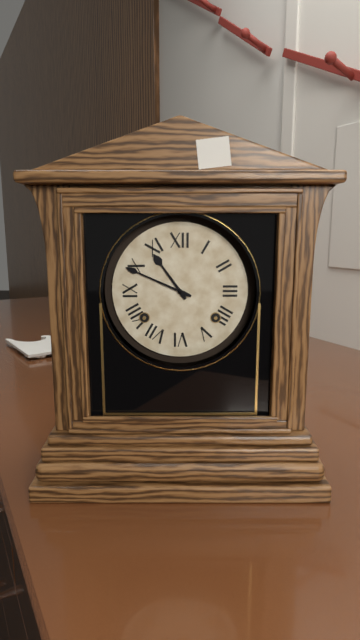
h=10 m=49
